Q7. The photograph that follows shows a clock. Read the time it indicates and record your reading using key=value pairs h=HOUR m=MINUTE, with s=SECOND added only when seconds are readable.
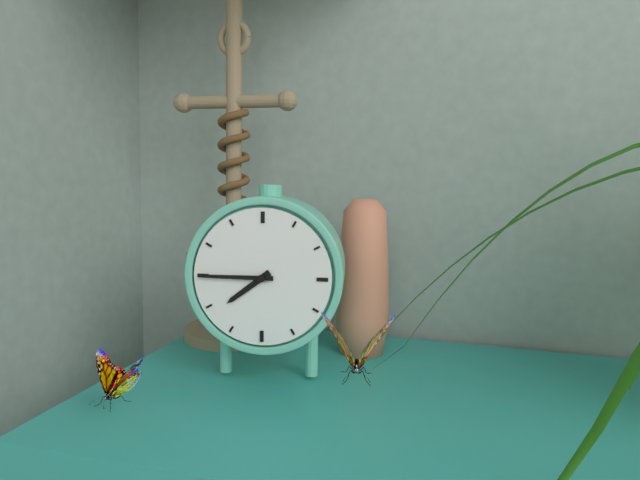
h=7 m=45
